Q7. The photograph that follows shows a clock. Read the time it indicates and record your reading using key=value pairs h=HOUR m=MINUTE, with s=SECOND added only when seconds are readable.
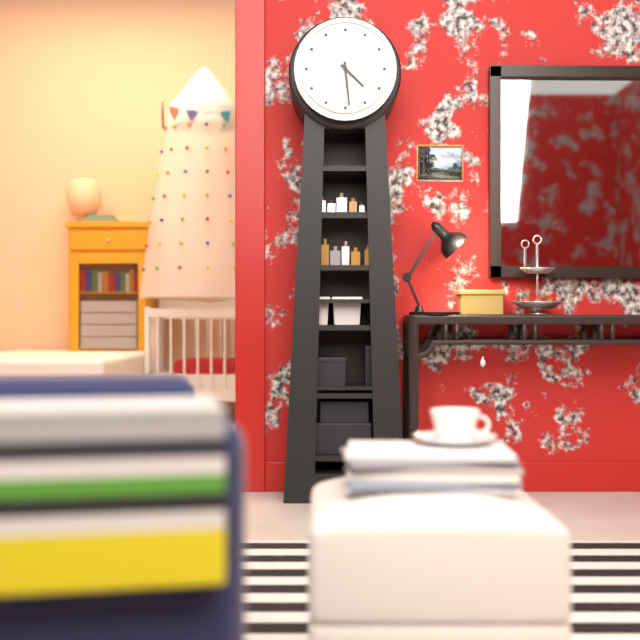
h=4 m=29
